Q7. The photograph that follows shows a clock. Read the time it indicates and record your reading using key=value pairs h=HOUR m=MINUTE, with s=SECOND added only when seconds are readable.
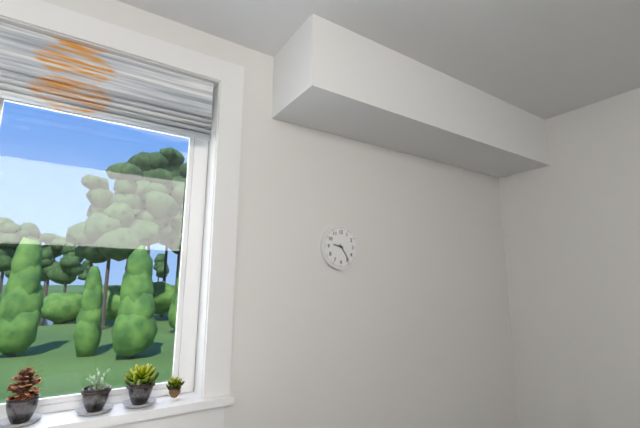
h=9 m=24
